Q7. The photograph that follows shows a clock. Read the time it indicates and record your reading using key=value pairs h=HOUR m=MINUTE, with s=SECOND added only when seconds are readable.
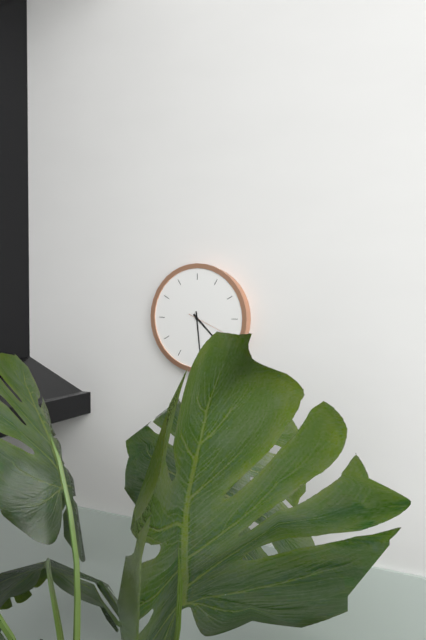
h=4 m=29
